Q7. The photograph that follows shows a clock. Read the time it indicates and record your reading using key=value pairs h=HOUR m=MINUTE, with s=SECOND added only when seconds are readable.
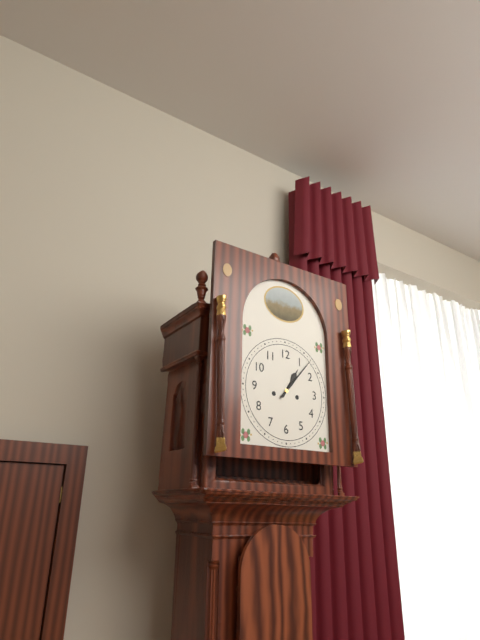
h=1 m=7
